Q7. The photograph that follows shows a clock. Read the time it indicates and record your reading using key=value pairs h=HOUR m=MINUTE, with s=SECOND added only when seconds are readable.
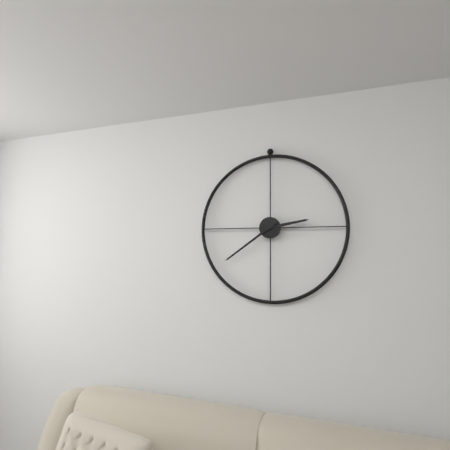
h=2 m=39
